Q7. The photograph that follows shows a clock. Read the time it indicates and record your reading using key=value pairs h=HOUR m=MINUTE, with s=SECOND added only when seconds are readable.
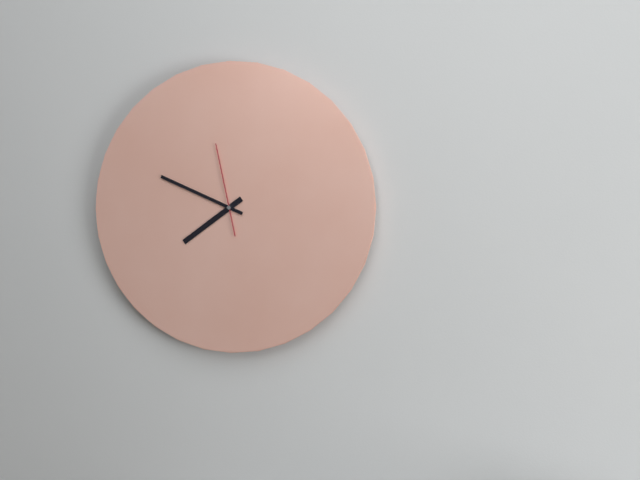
h=7 m=49 s=58
